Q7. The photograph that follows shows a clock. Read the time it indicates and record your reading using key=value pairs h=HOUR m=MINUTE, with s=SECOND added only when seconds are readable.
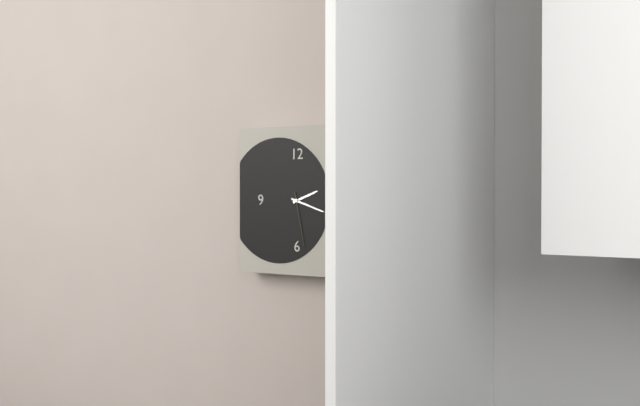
h=2 m=18 s=28
